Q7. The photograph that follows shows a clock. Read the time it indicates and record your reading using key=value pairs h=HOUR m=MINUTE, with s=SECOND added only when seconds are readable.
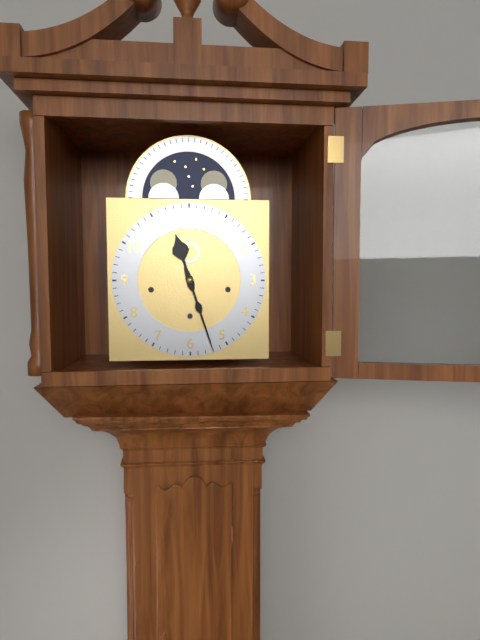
h=11 m=27
